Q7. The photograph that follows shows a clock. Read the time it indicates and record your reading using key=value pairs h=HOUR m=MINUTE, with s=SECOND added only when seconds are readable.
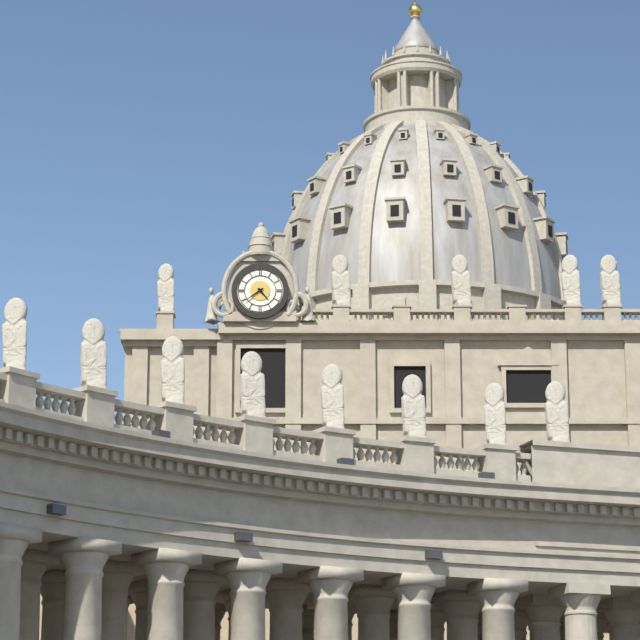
h=4 m=39
